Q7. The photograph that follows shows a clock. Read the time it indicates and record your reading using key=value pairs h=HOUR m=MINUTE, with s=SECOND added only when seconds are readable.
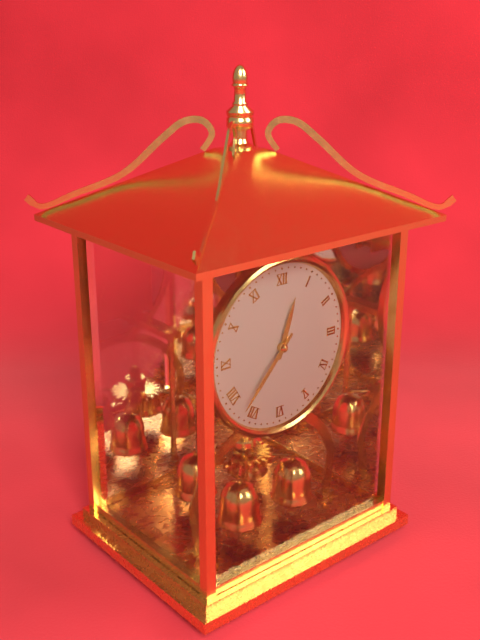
h=12 m=37
